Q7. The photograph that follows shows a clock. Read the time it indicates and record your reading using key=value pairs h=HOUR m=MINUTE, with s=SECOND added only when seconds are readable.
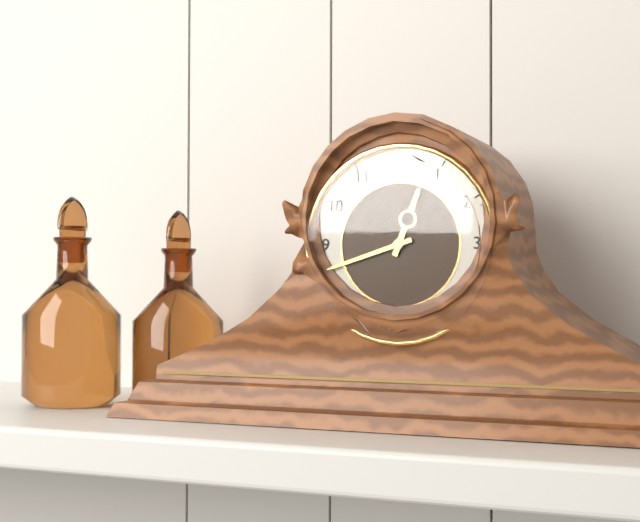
h=12 m=42
